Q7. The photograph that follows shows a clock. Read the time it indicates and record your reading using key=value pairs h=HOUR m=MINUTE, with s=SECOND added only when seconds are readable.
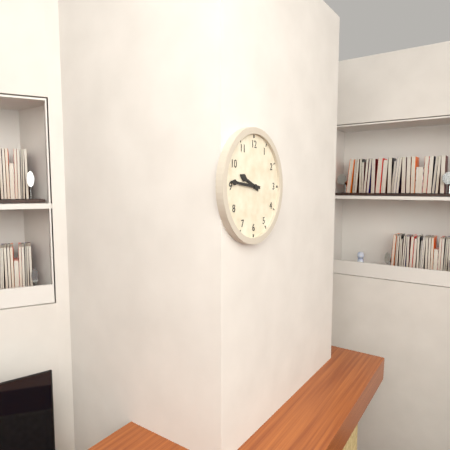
h=9 m=46
